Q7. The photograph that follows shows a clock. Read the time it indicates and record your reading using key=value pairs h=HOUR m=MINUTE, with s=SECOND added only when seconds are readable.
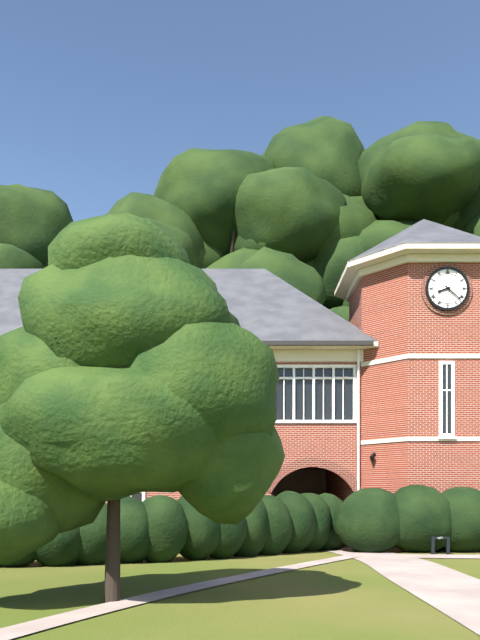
h=8 m=22
